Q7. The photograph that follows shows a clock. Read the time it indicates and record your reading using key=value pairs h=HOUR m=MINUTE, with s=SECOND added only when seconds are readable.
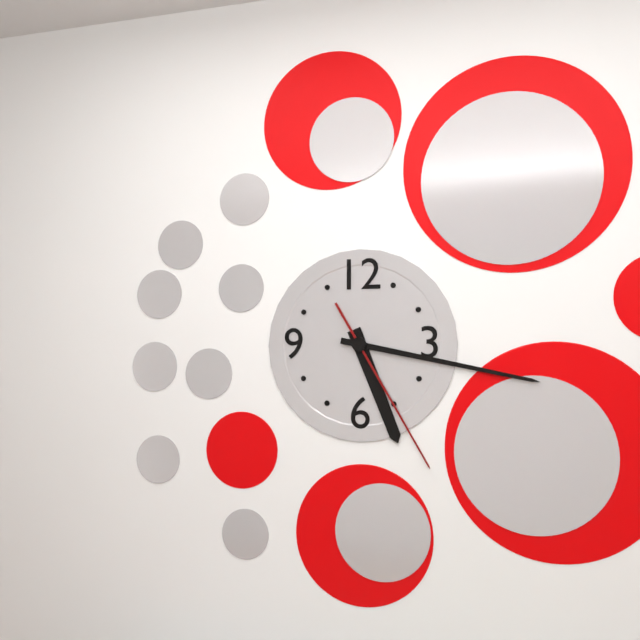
h=5 m=17 s=25
